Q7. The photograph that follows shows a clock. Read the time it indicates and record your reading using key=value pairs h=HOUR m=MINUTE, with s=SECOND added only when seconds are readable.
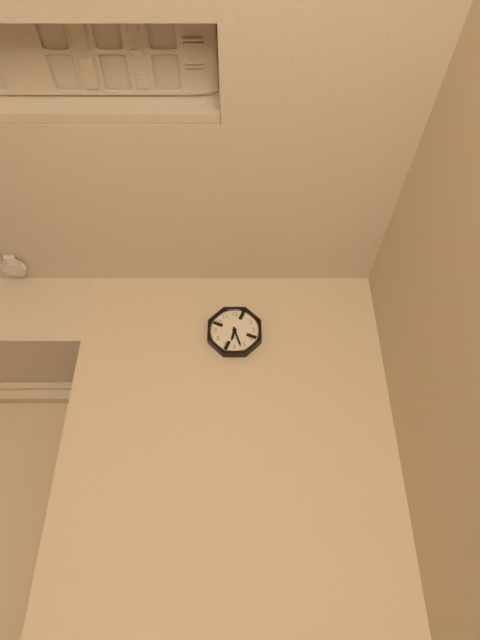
h=6 m=27
